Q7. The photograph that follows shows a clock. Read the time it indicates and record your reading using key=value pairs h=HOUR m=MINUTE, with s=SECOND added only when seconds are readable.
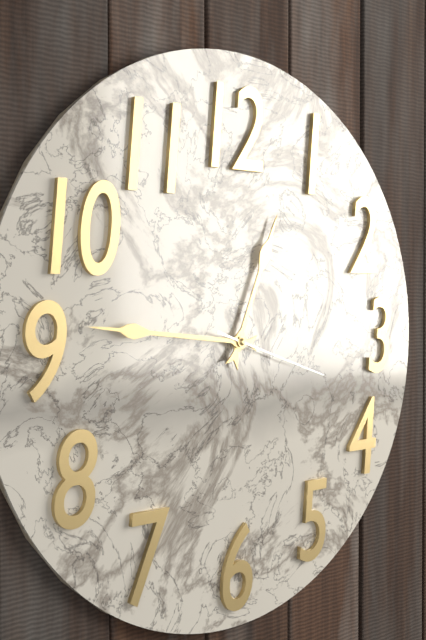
h=12 m=46 s=18
